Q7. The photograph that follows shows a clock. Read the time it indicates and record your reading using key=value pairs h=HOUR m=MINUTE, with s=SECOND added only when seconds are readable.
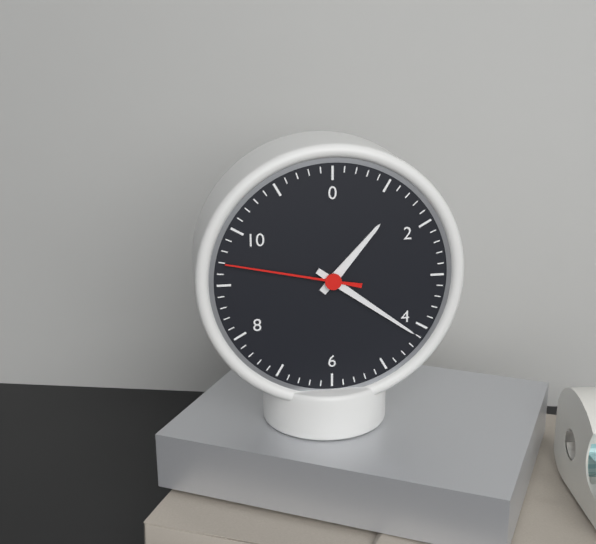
h=1 m=21 s=47
